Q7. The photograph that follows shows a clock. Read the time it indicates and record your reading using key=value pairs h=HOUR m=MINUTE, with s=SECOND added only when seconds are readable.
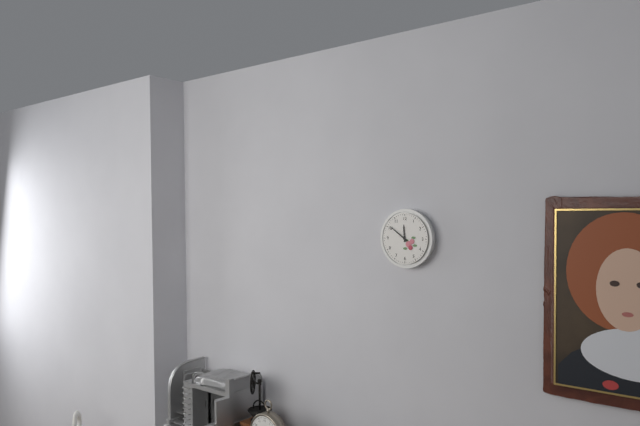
h=11 m=51
